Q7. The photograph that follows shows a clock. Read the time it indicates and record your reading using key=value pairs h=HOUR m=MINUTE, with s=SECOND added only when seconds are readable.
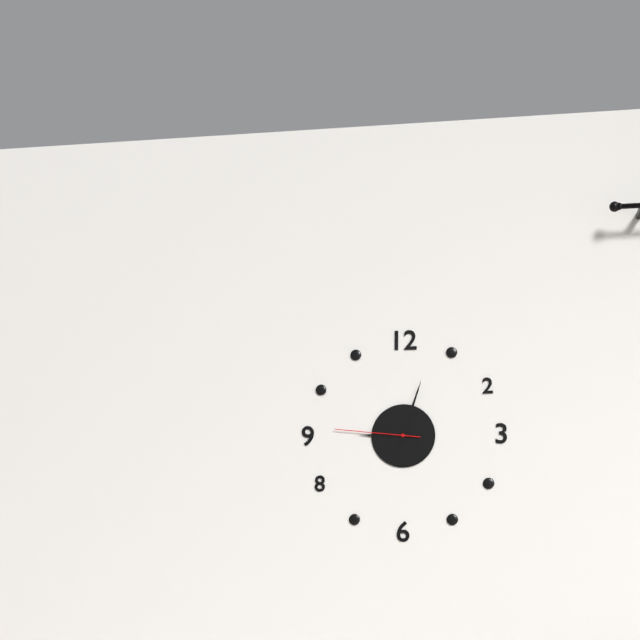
h=9 m=3 s=46
